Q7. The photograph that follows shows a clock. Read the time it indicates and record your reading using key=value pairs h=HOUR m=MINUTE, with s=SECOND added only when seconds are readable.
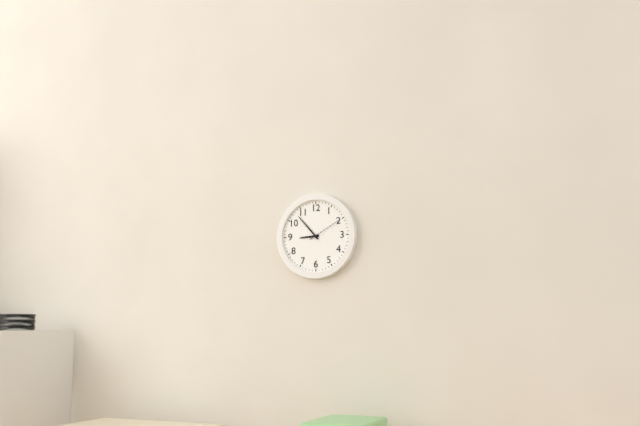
h=8 m=53
